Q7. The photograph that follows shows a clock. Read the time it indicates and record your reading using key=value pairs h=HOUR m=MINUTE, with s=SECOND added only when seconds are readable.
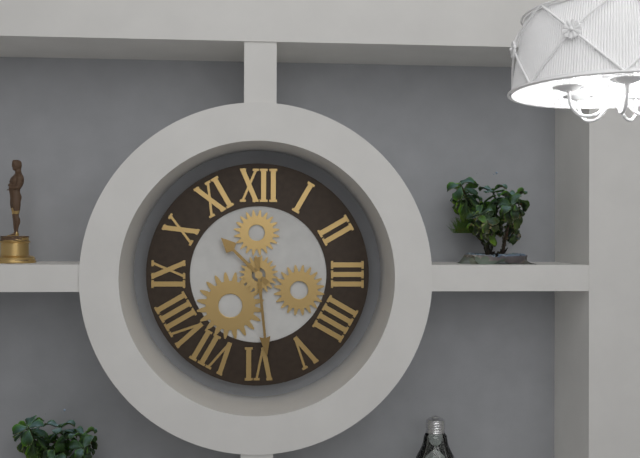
h=10 m=29
